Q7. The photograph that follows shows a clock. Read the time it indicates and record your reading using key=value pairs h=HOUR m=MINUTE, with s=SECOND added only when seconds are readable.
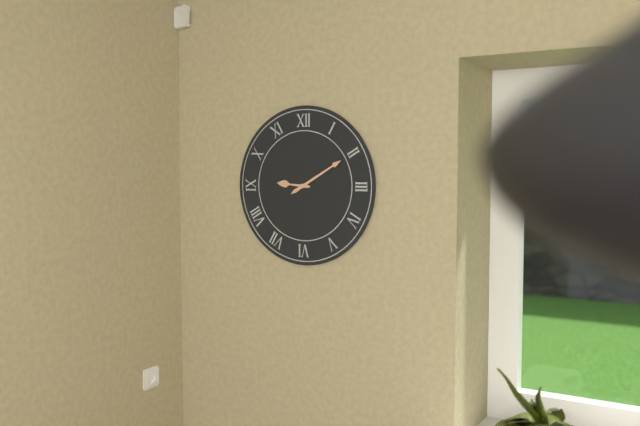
h=9 m=10
